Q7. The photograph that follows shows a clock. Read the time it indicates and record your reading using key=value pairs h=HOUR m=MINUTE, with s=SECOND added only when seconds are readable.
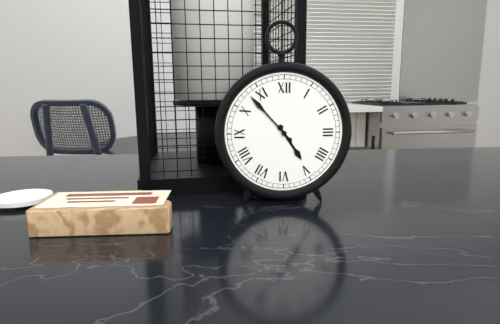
h=4 m=53
